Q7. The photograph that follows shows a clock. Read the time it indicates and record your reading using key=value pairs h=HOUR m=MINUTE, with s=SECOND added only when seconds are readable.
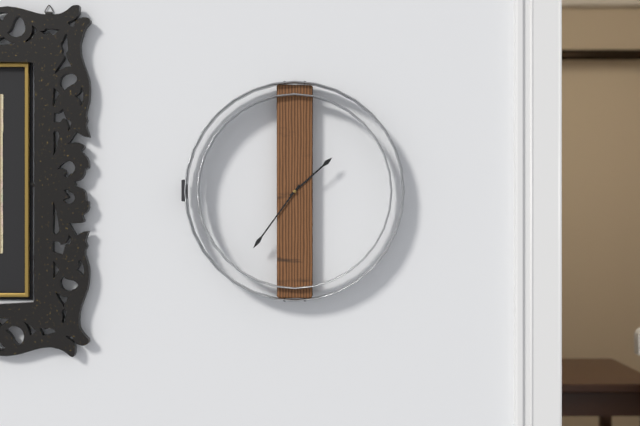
h=1 m=36
